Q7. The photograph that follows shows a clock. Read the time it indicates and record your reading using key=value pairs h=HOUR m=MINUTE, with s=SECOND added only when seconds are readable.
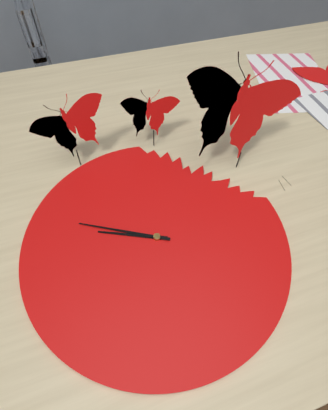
h=9 m=50
